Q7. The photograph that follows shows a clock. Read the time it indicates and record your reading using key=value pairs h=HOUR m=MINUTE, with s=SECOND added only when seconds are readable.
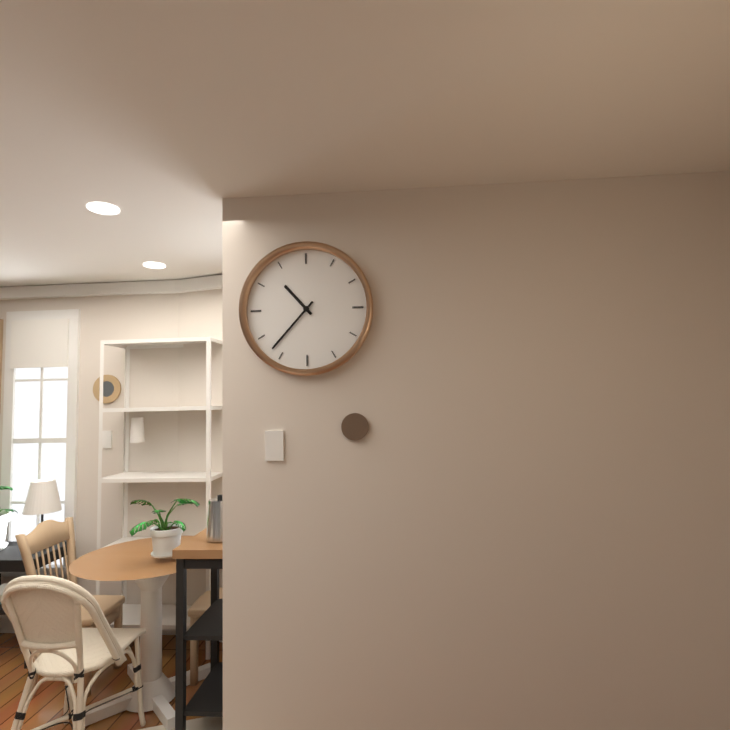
h=10 m=37
